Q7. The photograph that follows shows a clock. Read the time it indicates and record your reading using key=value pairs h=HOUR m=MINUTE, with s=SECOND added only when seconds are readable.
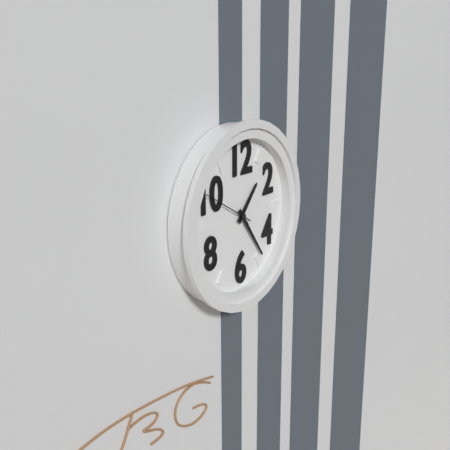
h=1 m=24
